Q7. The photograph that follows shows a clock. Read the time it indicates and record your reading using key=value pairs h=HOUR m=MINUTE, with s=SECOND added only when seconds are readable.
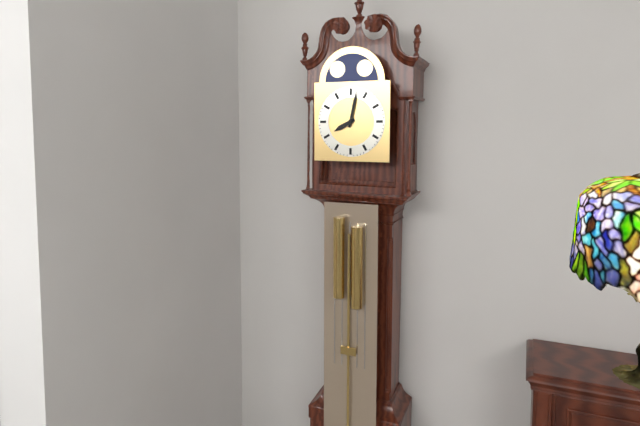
h=8 m=2
